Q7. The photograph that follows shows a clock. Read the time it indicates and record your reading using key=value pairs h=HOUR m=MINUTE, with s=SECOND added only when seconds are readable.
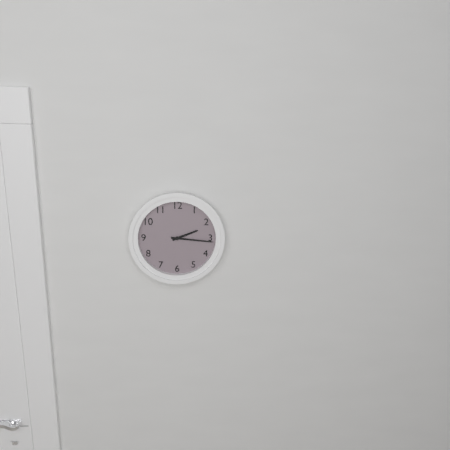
h=2 m=16
